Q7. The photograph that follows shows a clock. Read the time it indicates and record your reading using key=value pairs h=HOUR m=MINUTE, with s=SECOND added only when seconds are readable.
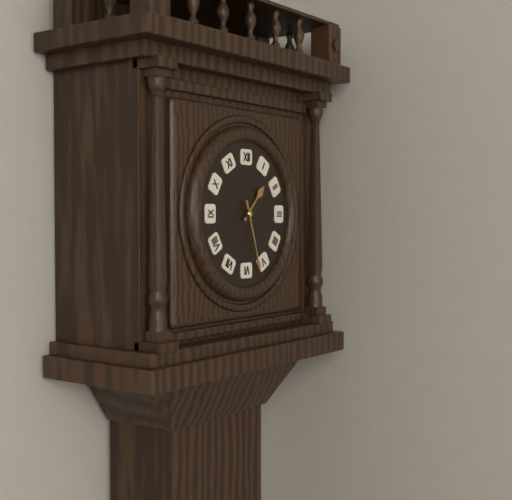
h=1 m=27
